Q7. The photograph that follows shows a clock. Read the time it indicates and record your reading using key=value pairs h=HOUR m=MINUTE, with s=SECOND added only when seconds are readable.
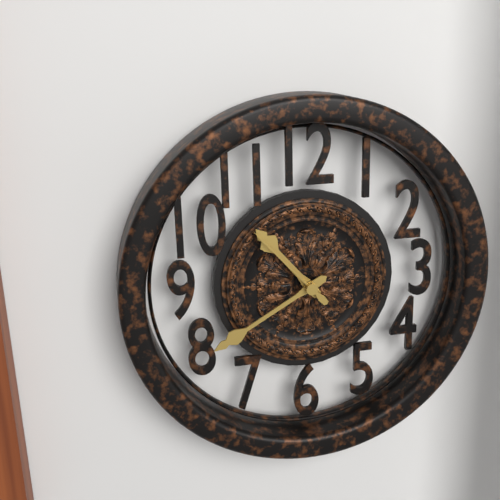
h=10 m=40 s=53
